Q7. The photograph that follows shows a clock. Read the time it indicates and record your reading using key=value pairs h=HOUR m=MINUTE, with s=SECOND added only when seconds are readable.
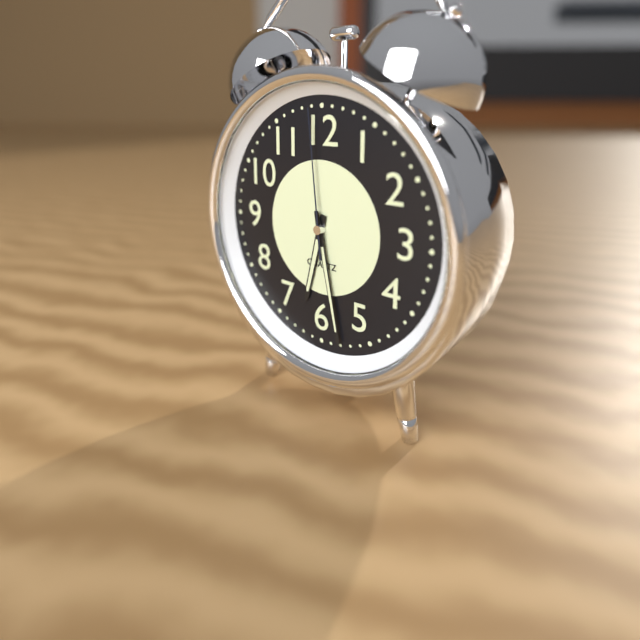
h=6 m=28 s=59
